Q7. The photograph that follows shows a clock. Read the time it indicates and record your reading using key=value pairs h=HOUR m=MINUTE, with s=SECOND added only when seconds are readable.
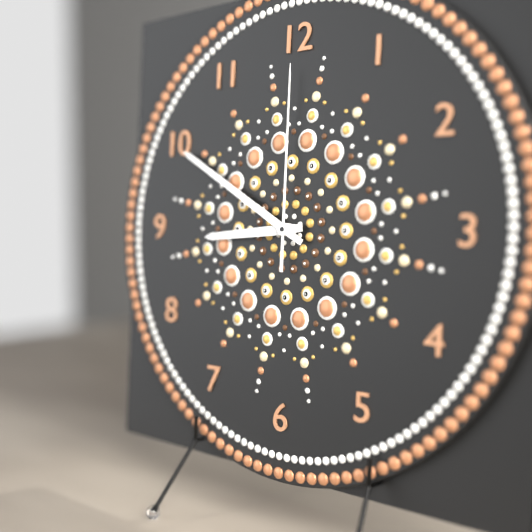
h=8 m=50 s=0
